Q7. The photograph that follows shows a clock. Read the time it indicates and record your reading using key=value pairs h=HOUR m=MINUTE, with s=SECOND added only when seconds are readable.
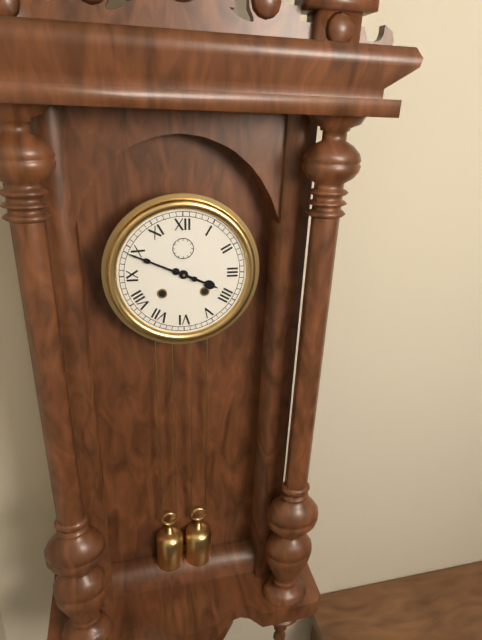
h=3 m=49
